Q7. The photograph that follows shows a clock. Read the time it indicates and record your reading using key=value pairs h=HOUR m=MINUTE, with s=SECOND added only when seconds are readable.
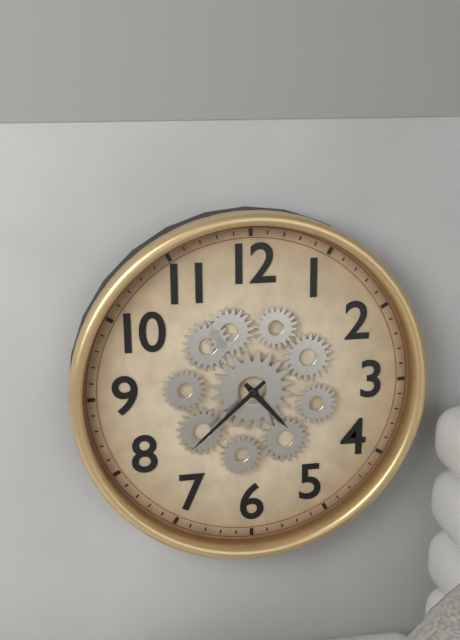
h=4 m=38
